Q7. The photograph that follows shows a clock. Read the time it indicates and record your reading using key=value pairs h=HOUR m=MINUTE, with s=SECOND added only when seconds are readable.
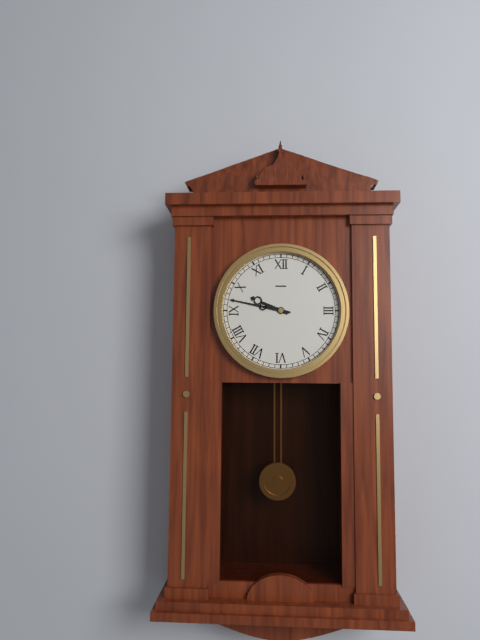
h=9 m=47
